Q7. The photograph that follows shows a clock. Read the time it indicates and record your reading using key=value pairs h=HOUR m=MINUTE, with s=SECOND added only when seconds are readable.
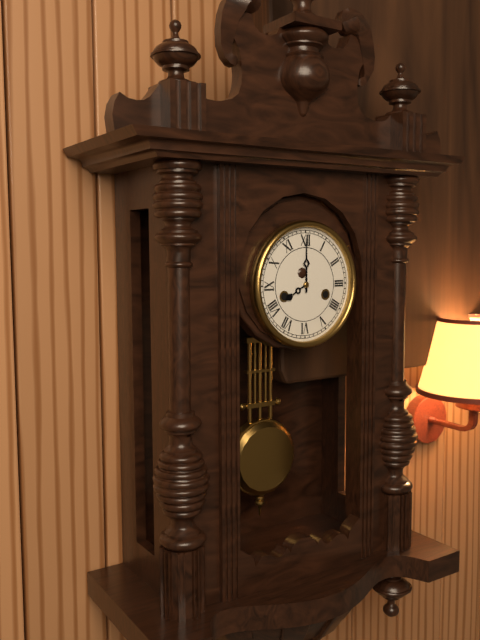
h=8 m=0
